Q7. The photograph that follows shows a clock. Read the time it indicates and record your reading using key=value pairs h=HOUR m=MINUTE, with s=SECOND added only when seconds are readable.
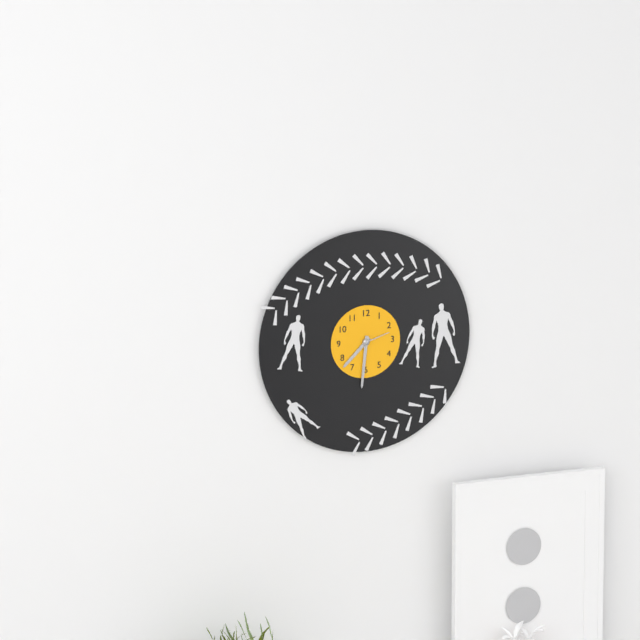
h=7 m=31
